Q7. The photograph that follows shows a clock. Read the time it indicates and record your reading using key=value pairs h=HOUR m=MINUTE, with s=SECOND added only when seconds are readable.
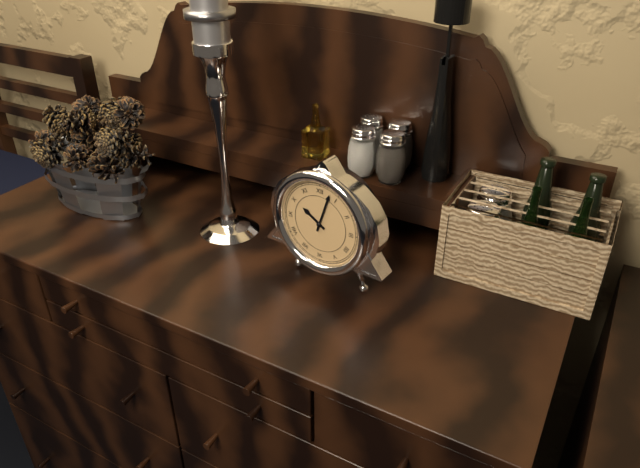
h=10 m=3
